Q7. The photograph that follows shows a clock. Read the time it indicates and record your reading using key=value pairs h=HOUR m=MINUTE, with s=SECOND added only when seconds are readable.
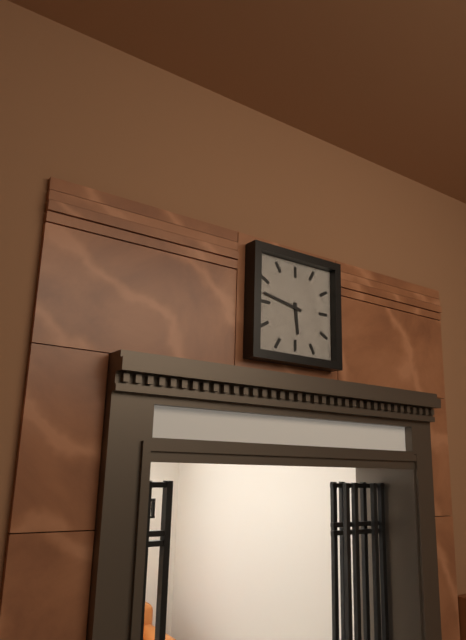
h=5 m=47
